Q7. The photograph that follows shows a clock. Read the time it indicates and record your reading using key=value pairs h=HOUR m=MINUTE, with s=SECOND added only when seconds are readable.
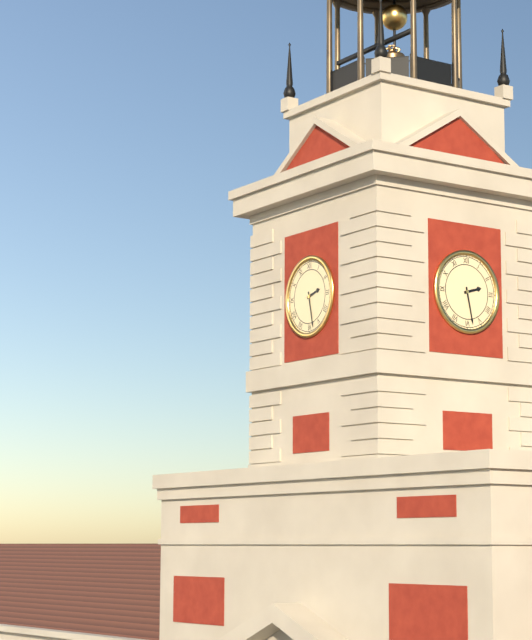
h=2 m=28
